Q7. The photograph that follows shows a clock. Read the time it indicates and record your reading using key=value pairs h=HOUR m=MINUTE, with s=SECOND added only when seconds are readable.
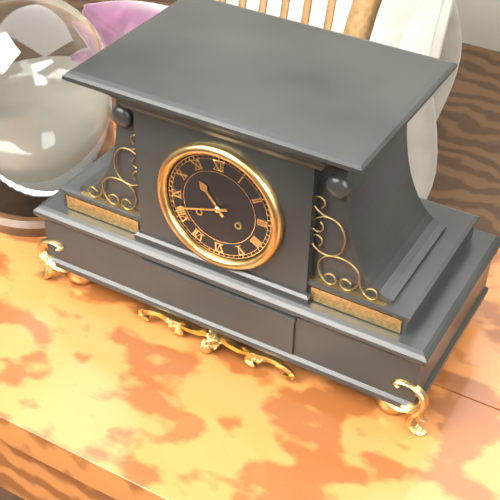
h=10 m=42
